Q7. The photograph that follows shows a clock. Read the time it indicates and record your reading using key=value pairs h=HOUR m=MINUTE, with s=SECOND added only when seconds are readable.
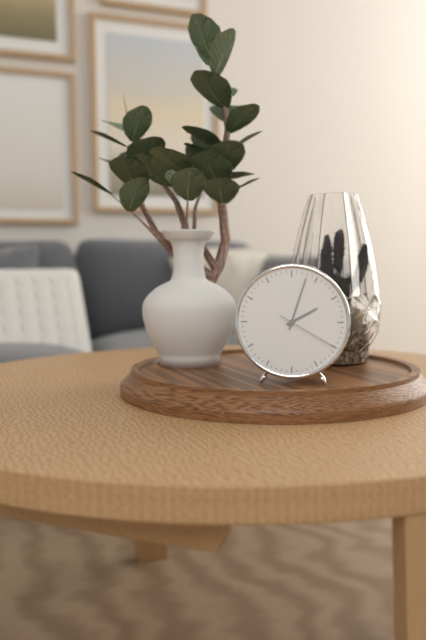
h=2 m=3 s=20
